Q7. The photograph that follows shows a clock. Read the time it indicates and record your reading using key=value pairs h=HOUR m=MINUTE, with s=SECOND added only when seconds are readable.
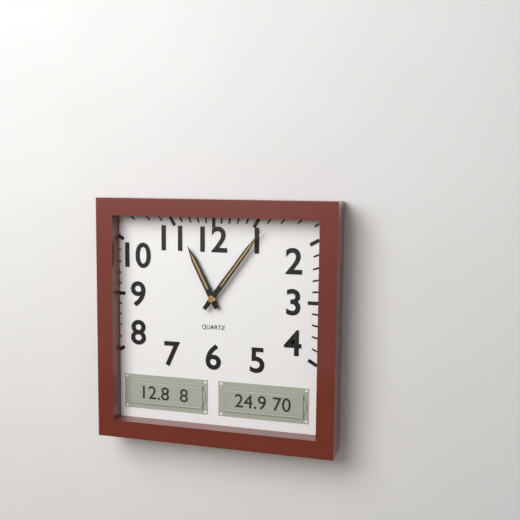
h=11 m=6
